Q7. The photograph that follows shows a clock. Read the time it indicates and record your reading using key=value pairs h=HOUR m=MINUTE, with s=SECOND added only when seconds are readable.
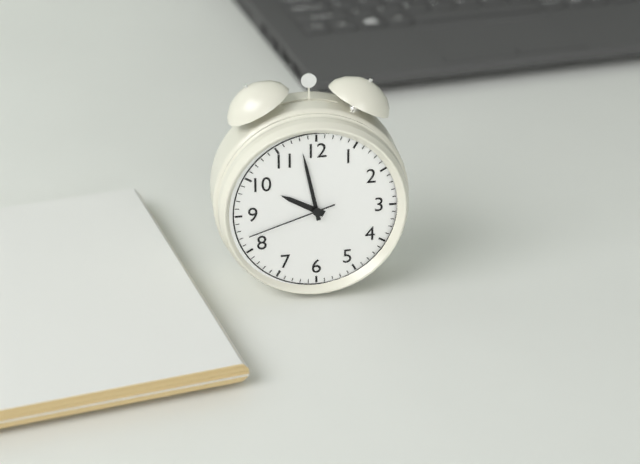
h=9 m=58 s=42
